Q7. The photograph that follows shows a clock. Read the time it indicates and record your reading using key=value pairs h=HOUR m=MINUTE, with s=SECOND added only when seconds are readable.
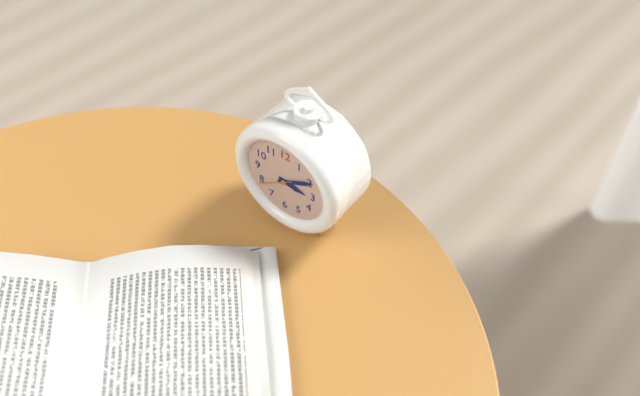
h=3 m=10
